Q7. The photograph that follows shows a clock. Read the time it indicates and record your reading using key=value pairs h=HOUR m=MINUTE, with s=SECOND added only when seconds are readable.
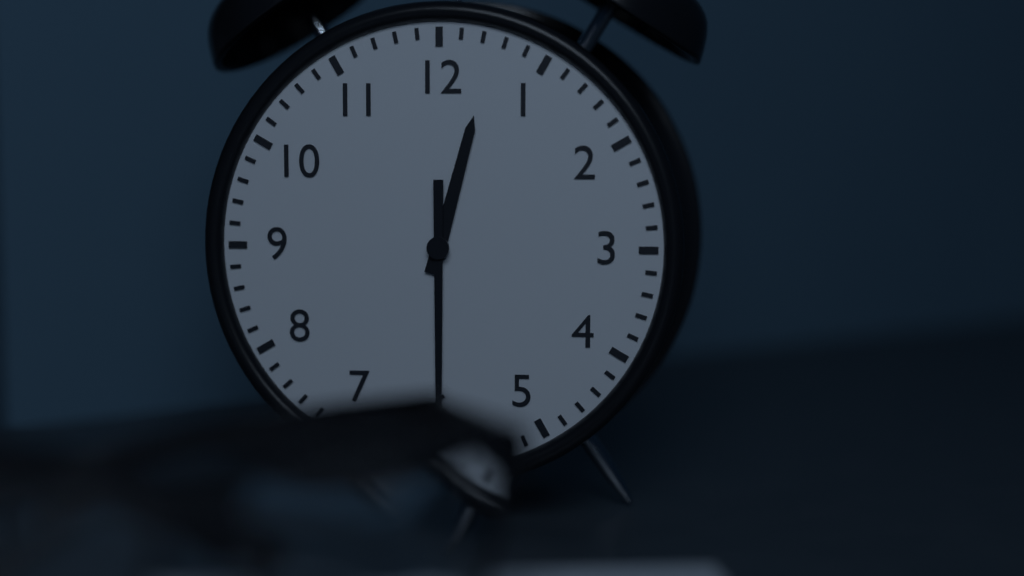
h=12 m=30
